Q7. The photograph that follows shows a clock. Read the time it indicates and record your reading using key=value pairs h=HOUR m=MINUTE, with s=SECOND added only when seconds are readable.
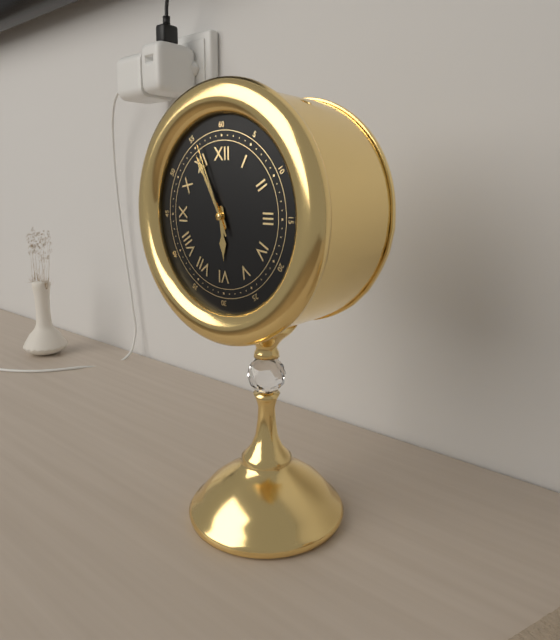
h=5 m=55 s=56
